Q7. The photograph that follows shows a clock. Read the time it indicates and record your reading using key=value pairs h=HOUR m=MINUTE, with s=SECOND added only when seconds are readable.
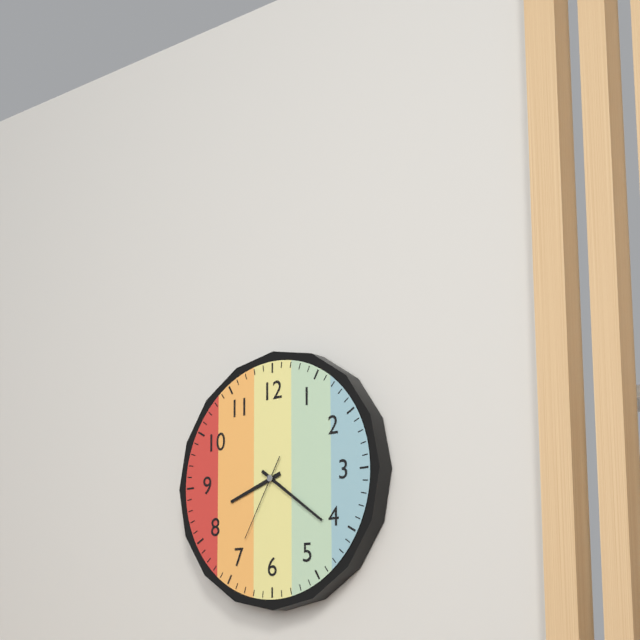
h=8 m=21 s=35
